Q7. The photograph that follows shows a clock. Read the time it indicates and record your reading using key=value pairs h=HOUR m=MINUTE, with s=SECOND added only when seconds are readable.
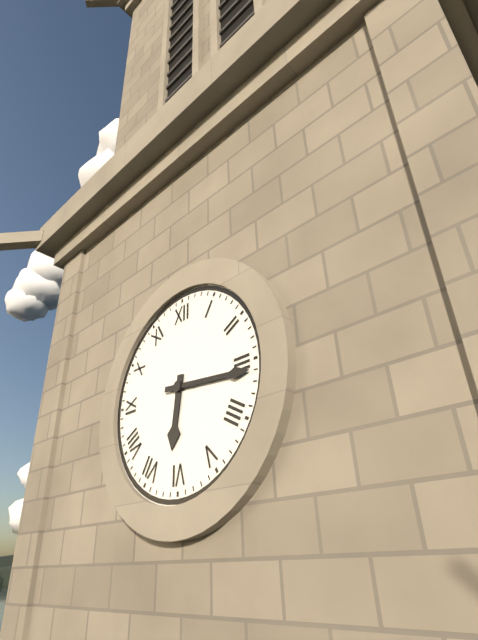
h=6 m=16
